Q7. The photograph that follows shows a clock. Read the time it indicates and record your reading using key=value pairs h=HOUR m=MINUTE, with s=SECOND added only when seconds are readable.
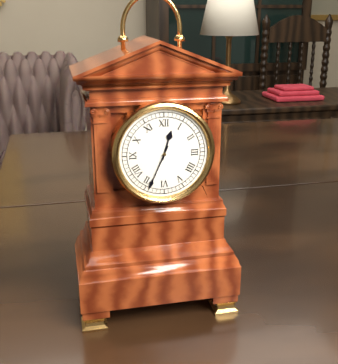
h=12 m=34
